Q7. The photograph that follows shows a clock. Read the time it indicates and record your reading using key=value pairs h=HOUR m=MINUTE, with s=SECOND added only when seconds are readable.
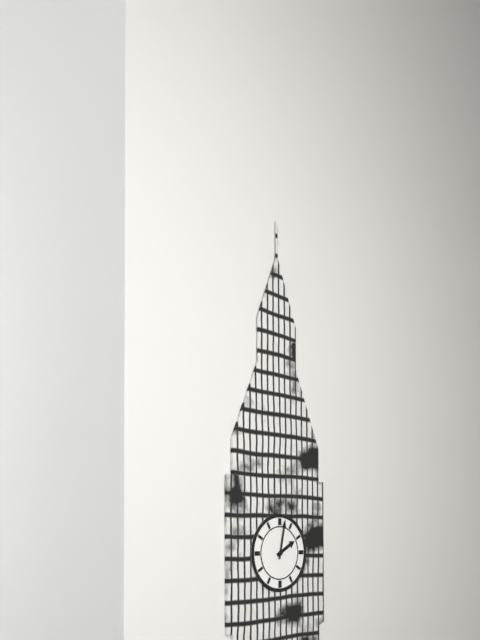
h=2 m=2
